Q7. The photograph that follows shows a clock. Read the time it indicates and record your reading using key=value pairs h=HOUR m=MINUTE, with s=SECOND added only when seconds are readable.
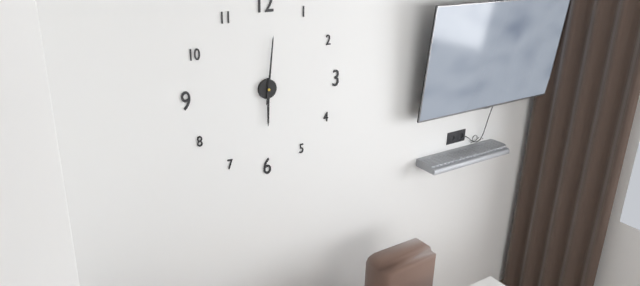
h=6 m=1
